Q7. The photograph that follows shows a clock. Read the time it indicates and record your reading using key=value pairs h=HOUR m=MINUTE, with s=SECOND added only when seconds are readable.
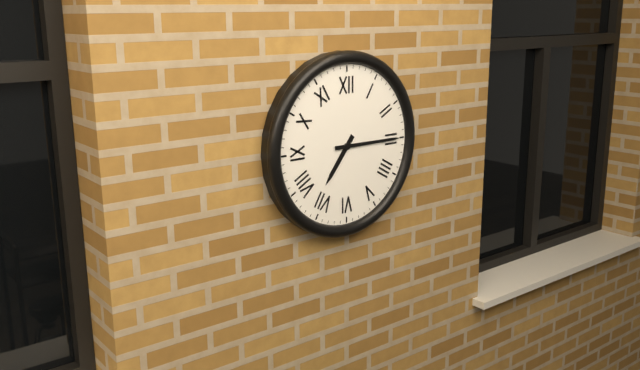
h=7 m=15
